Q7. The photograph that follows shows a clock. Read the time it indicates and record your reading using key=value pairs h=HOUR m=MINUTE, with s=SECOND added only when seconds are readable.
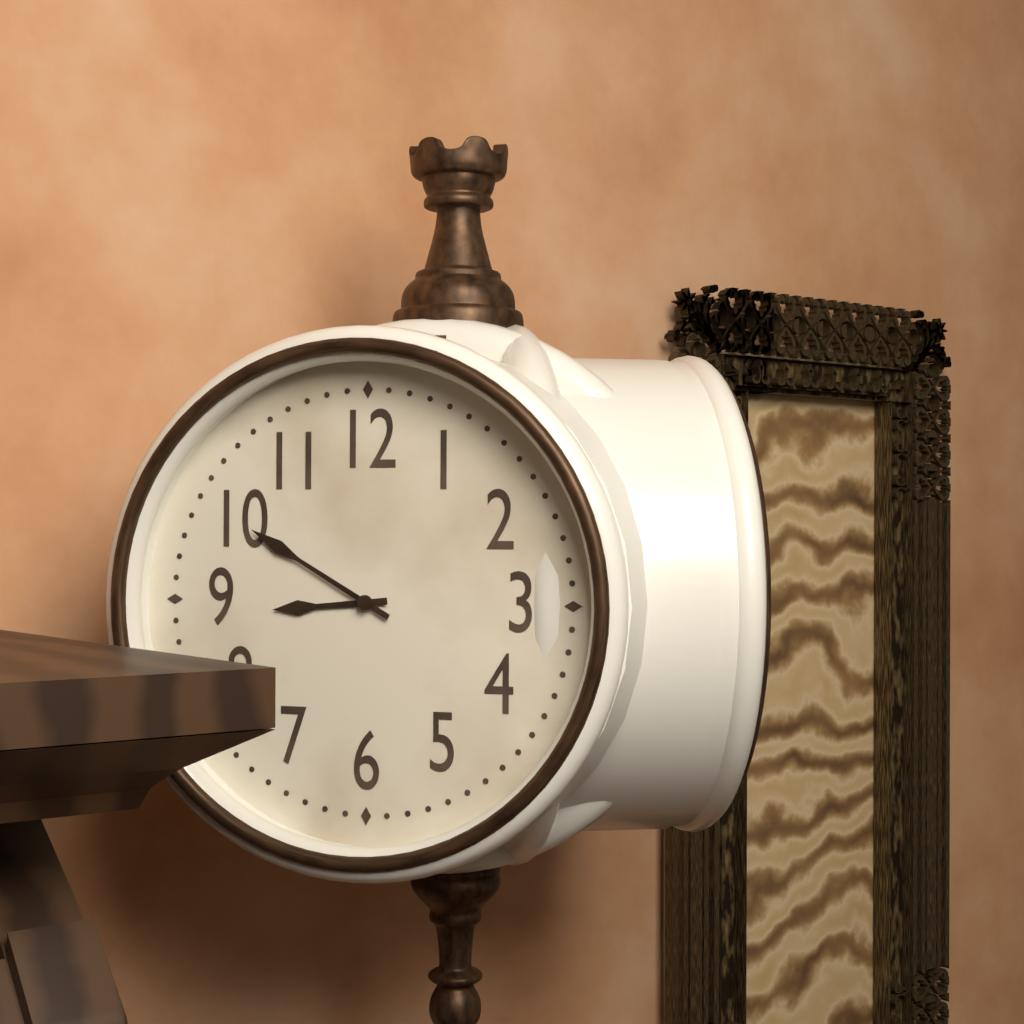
h=8 m=50
